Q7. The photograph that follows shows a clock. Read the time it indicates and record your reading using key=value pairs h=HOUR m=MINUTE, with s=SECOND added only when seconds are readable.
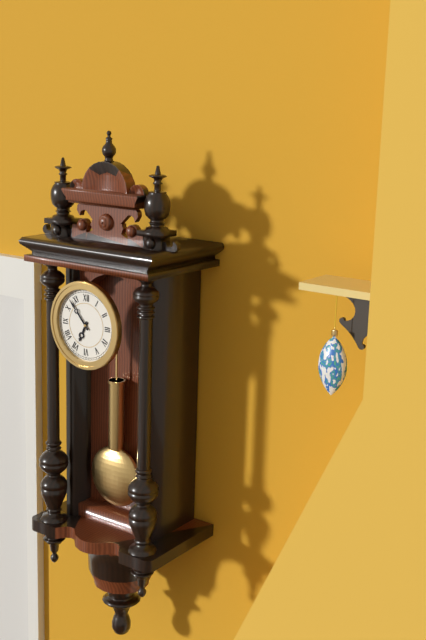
h=6 m=53
